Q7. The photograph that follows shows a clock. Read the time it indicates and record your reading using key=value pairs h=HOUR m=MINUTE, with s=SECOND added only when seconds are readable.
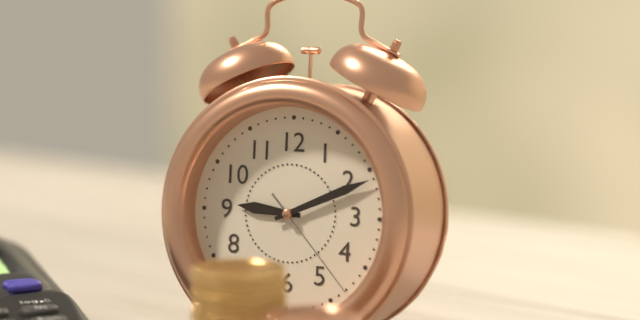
h=9 m=11 s=23
